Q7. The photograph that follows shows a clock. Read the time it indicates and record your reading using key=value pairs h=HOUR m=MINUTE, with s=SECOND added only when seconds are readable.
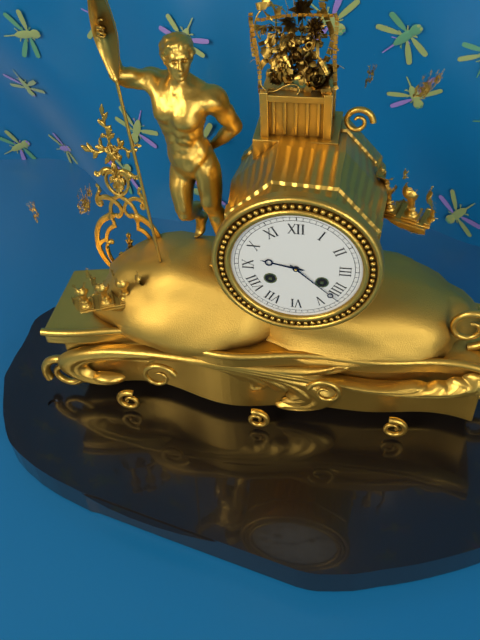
h=9 m=22
